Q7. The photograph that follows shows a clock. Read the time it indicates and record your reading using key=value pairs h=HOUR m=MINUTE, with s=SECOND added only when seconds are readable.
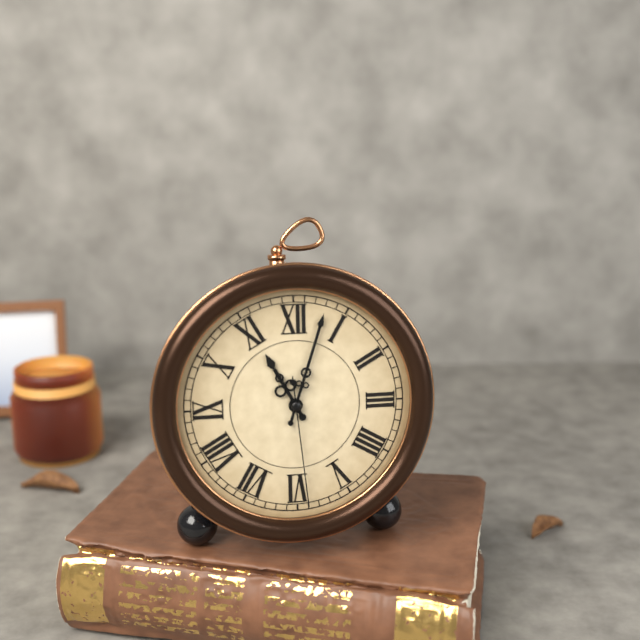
h=11 m=3 s=29
